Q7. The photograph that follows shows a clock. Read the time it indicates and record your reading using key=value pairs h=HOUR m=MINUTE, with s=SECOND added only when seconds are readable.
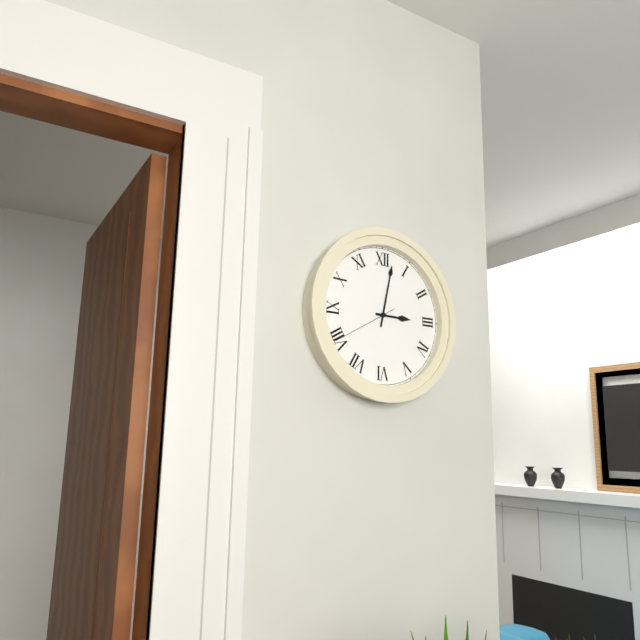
h=3 m=2 s=40
